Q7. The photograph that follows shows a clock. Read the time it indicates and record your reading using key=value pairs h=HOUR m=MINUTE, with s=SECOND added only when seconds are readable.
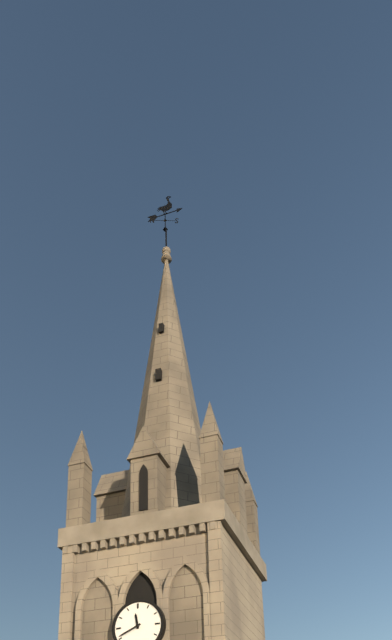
h=11 m=41
